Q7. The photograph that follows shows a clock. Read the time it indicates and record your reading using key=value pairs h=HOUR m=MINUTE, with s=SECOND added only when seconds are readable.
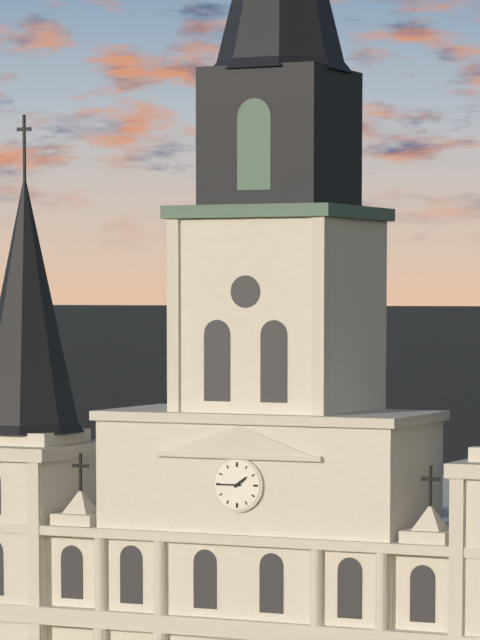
h=1 m=45
